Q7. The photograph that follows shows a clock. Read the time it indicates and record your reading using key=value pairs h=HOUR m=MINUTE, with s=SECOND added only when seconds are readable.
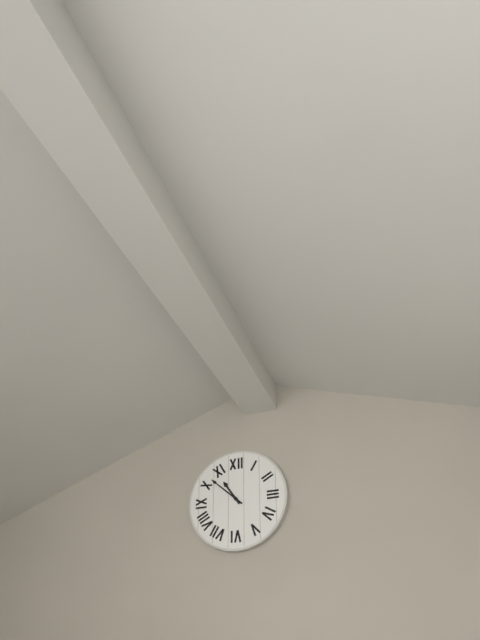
h=10 m=52
